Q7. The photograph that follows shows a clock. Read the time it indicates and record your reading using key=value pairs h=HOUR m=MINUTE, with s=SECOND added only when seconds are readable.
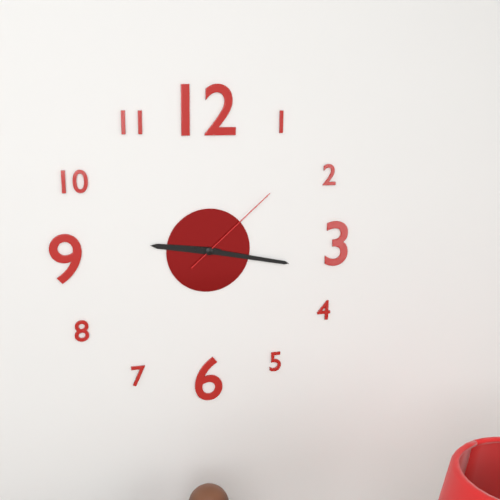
h=9 m=17 s=8
